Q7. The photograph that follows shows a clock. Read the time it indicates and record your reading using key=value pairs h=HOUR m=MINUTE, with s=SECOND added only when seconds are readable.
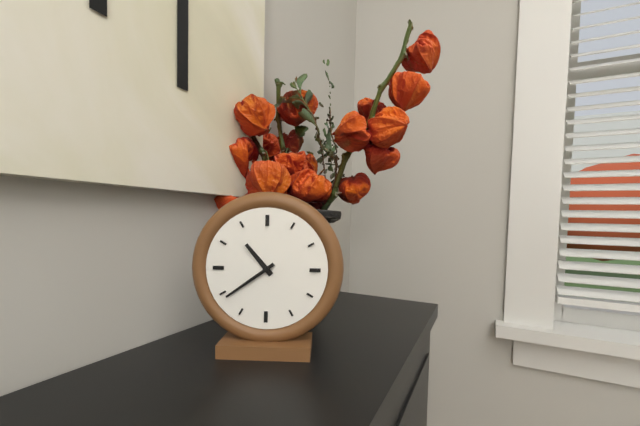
h=10 m=39
